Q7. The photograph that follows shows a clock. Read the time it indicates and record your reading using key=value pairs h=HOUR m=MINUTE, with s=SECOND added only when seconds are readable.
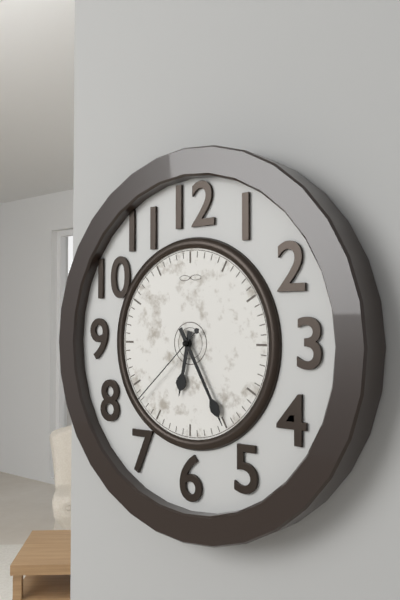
h=6 m=25 s=38
